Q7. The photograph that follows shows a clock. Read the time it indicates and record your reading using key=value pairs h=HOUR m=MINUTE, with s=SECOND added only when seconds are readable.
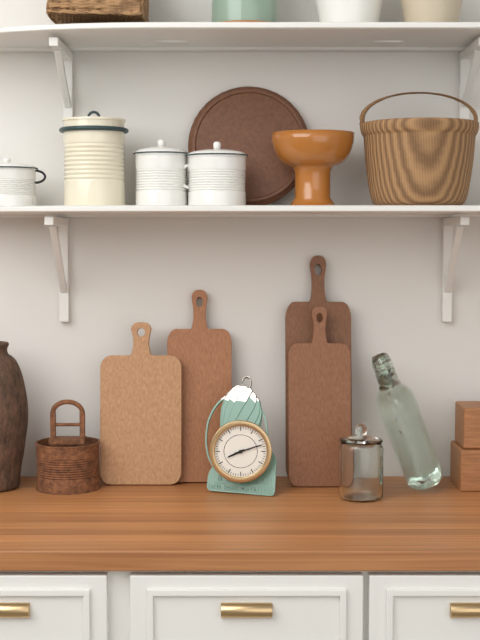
h=8 m=12
